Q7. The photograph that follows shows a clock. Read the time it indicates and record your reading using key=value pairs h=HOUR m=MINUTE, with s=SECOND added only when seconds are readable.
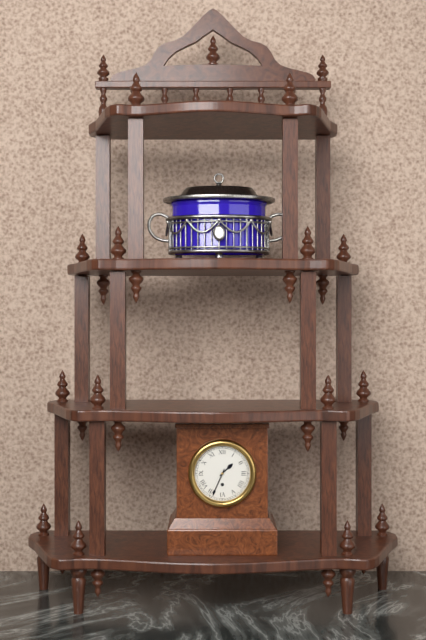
h=1 m=34
